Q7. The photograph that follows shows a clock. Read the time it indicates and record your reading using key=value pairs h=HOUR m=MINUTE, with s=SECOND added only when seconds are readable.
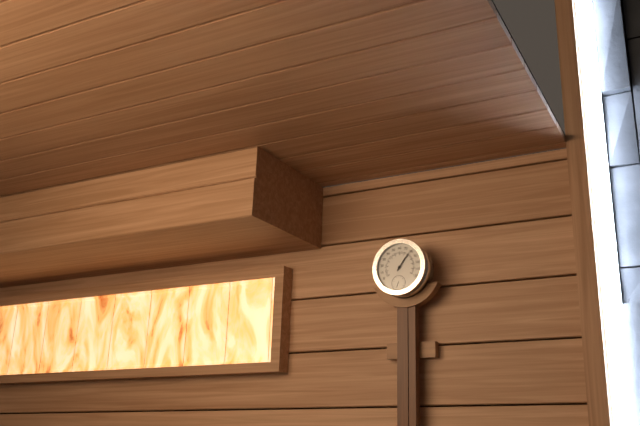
h=1 m=6
